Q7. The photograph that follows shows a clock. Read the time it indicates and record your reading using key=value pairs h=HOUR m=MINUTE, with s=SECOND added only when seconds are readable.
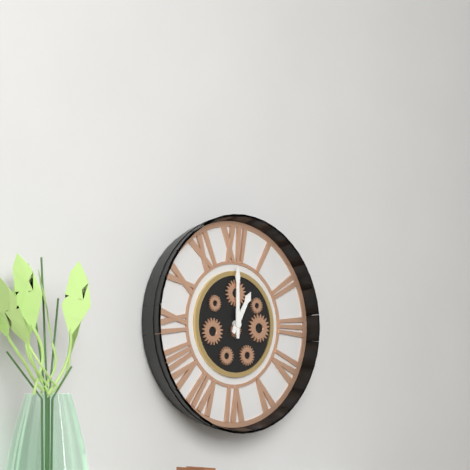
h=1 m=0
